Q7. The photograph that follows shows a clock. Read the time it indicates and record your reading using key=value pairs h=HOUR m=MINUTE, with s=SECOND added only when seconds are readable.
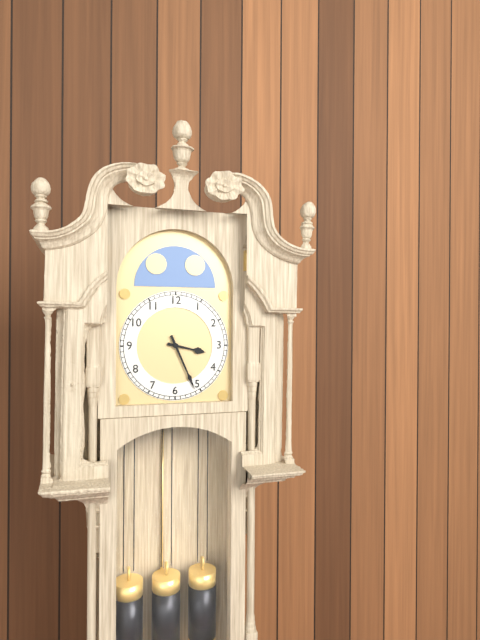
h=3 m=26
